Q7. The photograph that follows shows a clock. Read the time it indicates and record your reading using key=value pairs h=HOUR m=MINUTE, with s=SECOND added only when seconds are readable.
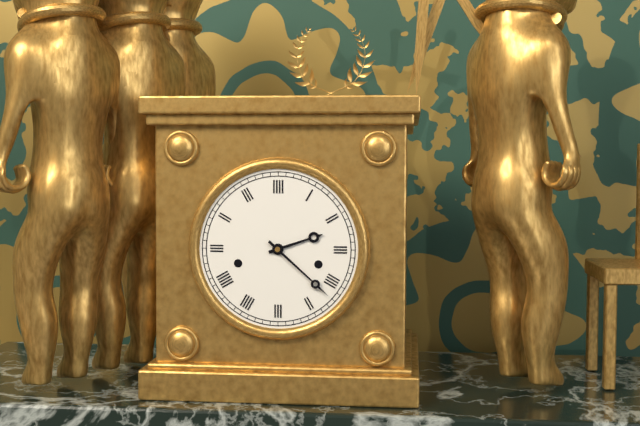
h=2 m=22
